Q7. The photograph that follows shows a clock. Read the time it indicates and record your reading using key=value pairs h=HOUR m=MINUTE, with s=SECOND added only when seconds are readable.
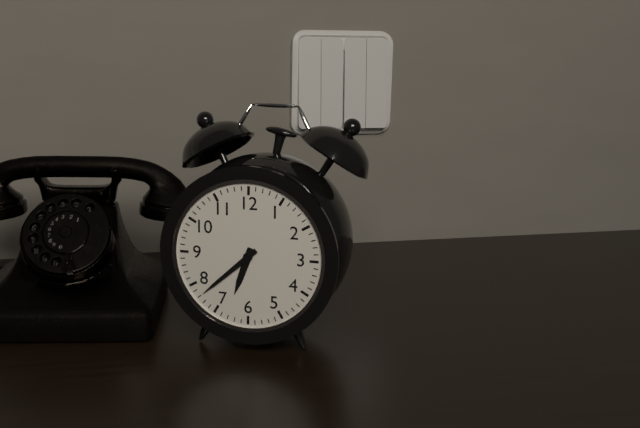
h=6 m=38
